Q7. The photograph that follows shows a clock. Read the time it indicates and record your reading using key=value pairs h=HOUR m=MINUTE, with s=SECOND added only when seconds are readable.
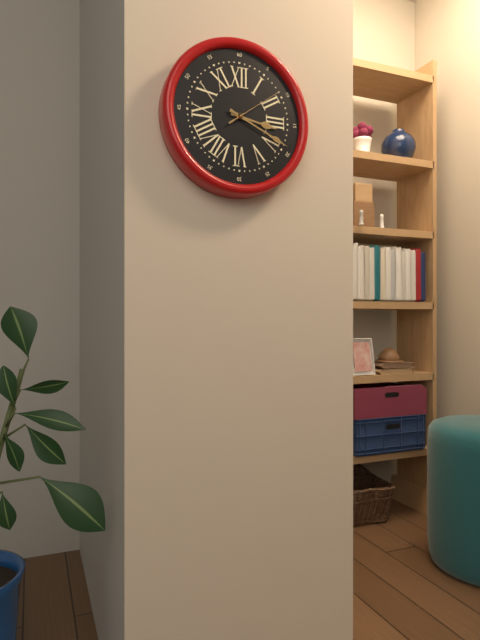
h=3 m=19 s=9
